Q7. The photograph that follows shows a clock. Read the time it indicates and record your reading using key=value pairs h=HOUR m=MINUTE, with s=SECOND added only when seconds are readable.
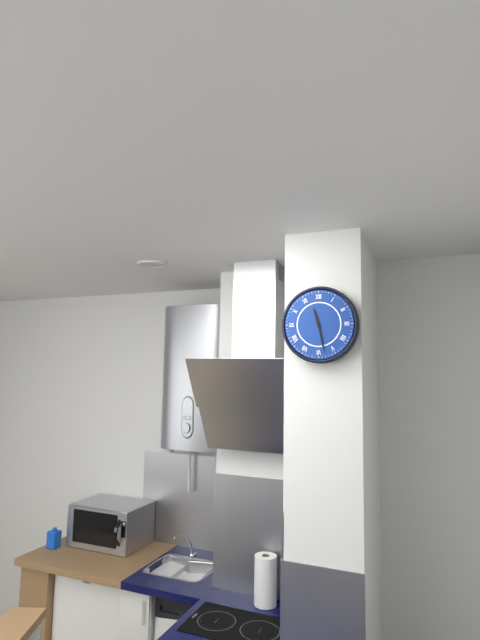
h=11 m=28
